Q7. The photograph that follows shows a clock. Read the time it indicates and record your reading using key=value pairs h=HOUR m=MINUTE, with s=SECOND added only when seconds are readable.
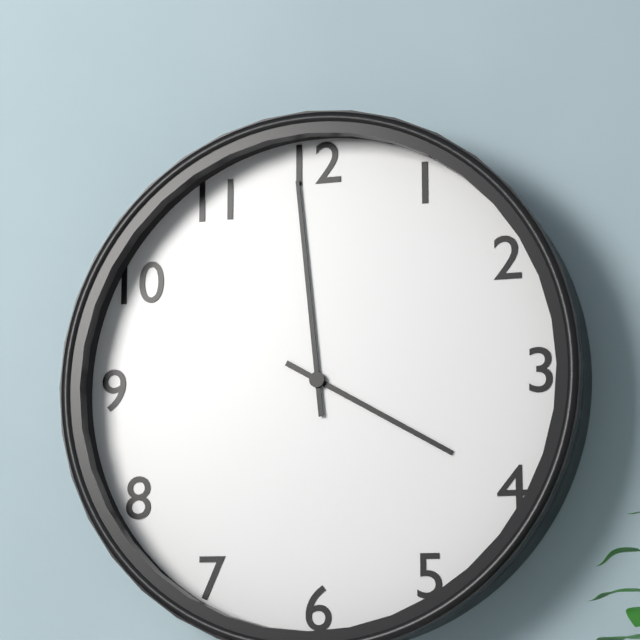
h=3 m=59
